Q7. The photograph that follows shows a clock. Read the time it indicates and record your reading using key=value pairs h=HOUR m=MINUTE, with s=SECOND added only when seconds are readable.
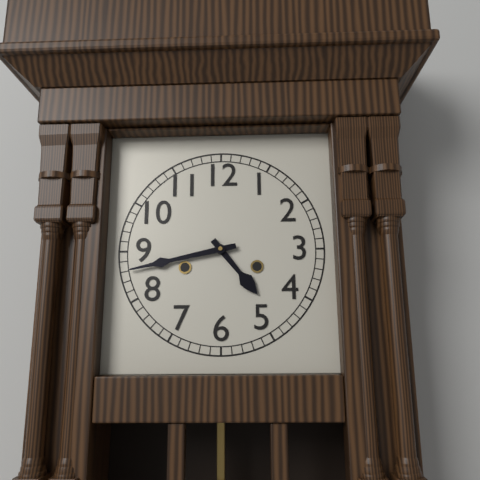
h=4 m=43
